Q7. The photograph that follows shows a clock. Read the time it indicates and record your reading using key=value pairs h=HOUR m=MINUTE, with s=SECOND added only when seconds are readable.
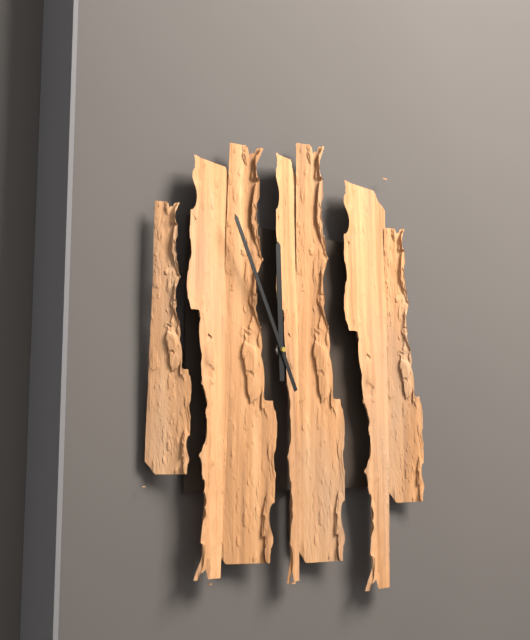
h=11 m=56
